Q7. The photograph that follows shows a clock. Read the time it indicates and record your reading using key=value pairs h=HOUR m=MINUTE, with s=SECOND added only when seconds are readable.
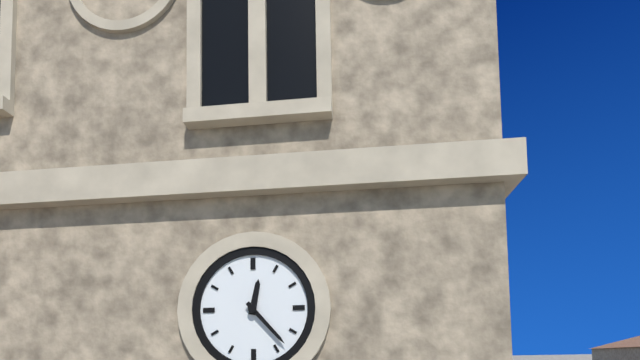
h=12 m=23
